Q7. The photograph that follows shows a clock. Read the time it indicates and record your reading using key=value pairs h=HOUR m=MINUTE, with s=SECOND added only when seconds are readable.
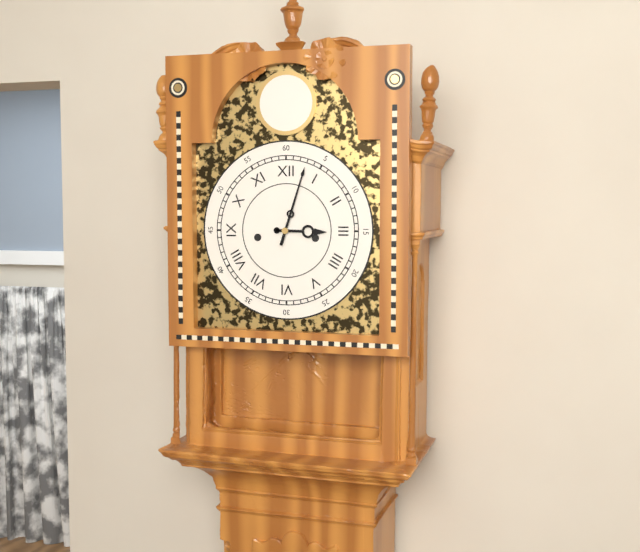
h=3 m=3
